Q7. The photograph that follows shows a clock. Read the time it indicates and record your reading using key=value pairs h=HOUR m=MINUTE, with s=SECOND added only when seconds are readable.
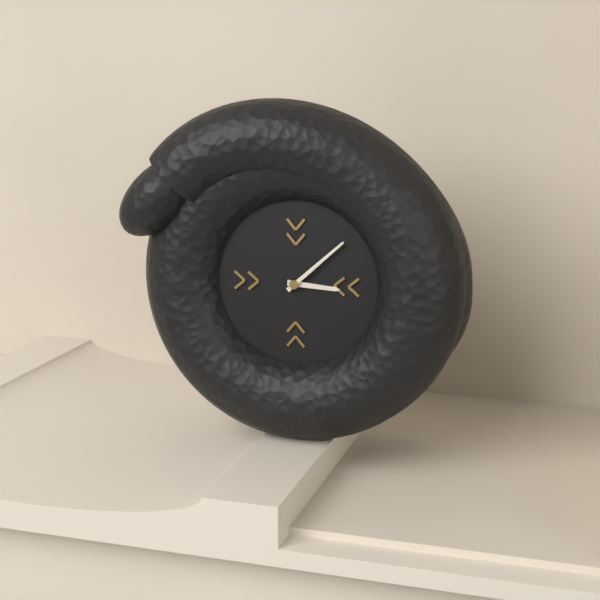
h=3 m=8
